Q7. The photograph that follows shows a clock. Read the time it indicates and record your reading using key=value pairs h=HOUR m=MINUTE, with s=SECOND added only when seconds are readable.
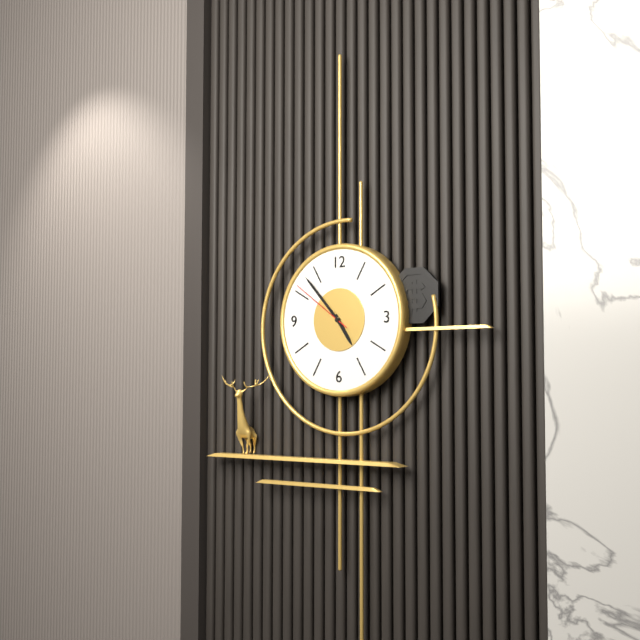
h=4 m=53 s=51
